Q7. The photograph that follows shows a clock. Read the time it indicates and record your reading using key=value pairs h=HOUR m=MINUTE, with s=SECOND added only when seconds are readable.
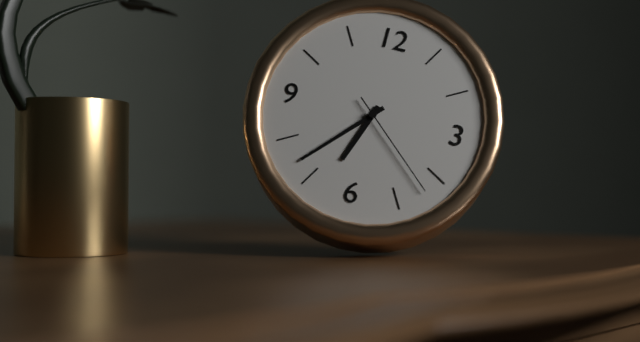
h=6 m=37 s=22
